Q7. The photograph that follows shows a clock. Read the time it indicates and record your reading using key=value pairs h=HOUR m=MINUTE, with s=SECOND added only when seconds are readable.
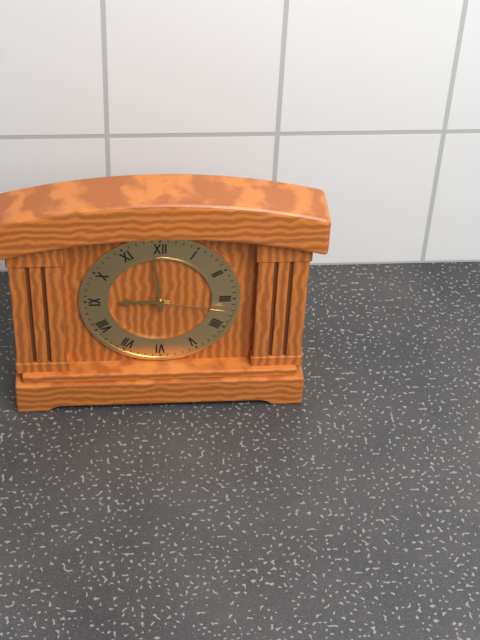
h=8 m=59 s=17
